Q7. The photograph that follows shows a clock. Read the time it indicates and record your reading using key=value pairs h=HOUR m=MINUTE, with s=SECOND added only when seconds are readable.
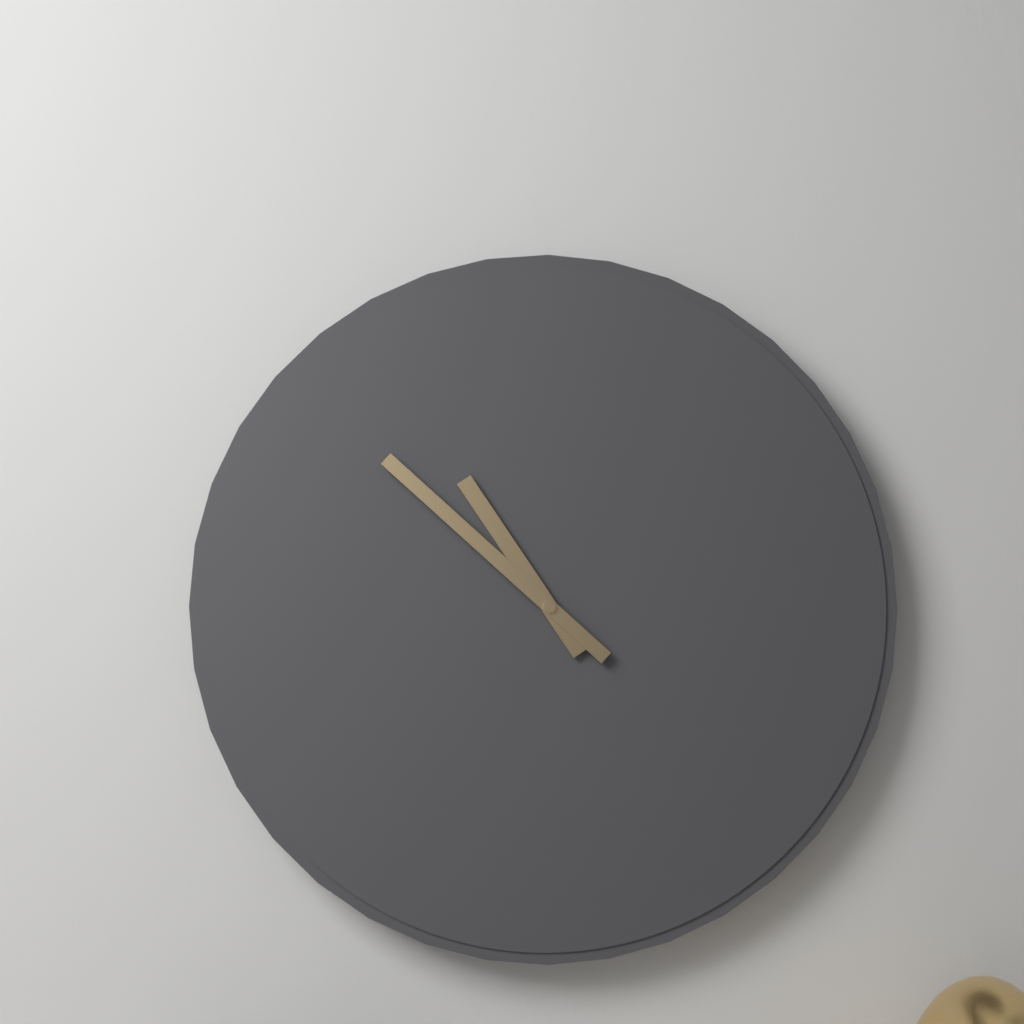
h=10 m=52
